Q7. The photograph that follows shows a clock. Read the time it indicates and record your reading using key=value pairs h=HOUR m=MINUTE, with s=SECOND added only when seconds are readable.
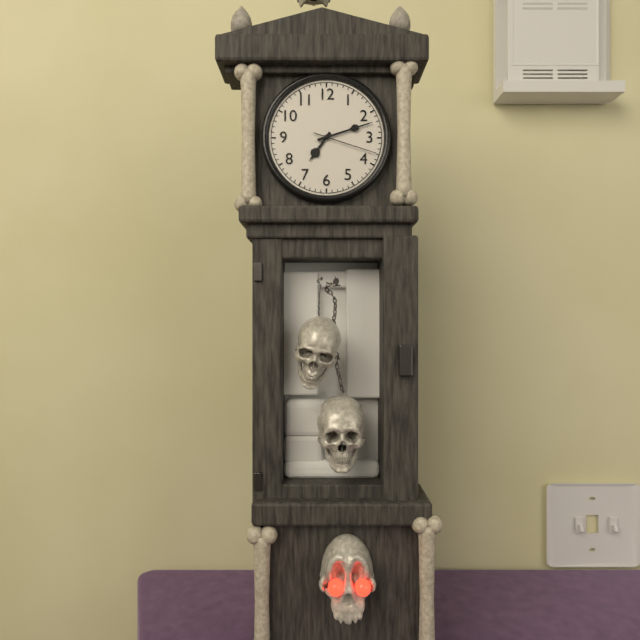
h=7 m=12 s=18
